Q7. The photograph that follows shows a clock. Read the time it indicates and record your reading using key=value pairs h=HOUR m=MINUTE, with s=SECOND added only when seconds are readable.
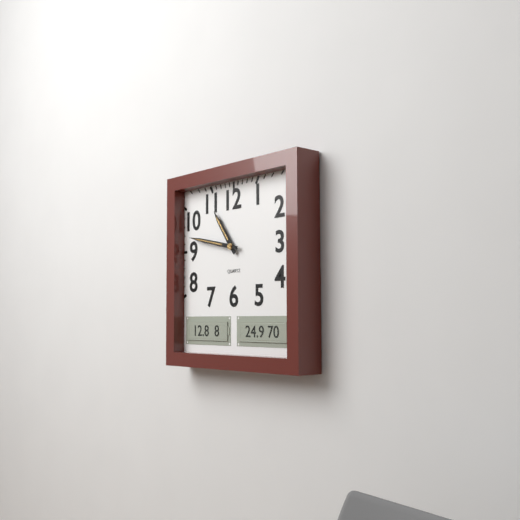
h=10 m=47
